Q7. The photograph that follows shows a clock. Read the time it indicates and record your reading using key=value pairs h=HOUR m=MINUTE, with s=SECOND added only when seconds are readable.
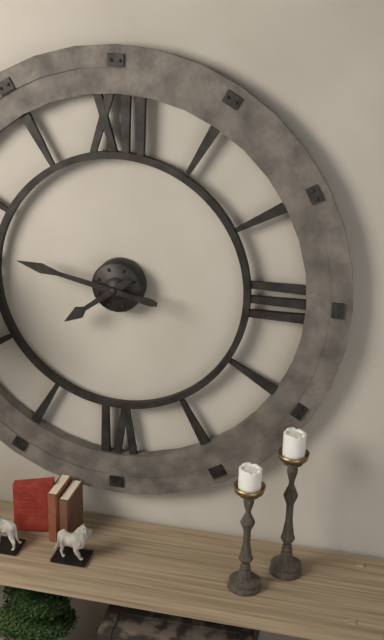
h=7 m=47
